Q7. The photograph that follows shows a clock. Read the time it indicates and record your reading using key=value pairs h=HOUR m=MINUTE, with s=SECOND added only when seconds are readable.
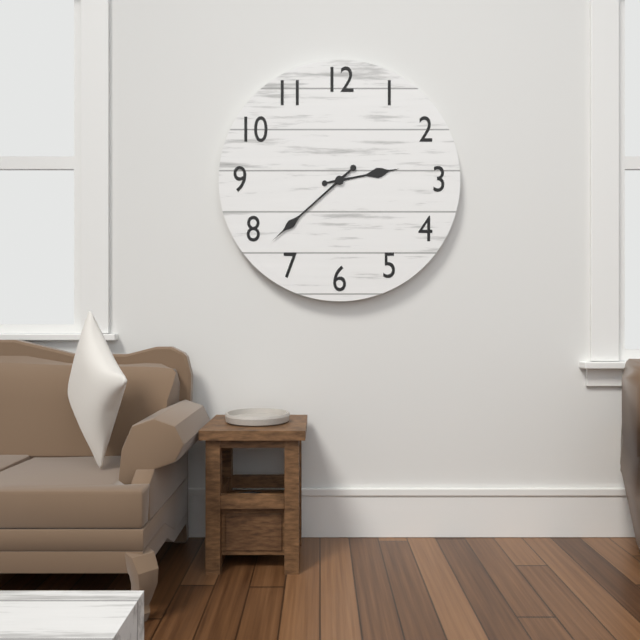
h=2 m=38
